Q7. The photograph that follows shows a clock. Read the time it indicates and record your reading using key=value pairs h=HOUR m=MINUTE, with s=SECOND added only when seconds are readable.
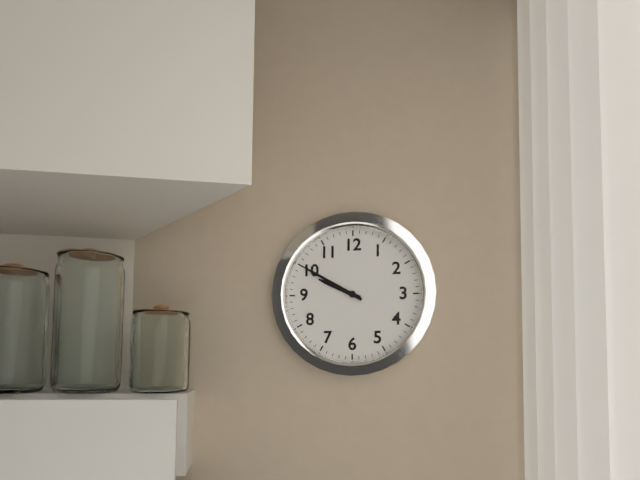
h=9 m=50
